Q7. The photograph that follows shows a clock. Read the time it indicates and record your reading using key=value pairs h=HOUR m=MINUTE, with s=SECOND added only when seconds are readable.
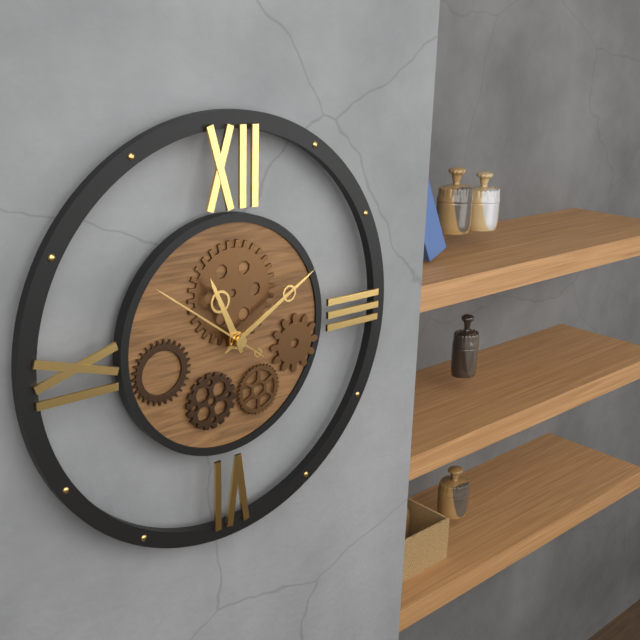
h=11 m=10 s=51
